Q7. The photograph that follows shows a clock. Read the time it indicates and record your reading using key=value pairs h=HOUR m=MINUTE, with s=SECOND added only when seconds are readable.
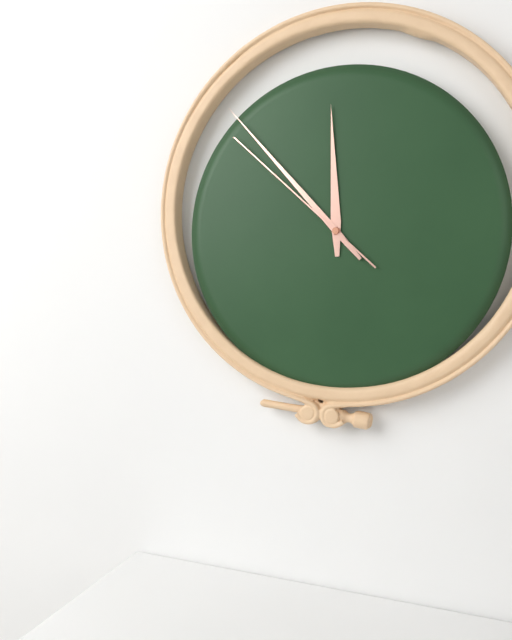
h=11 m=53 s=52
